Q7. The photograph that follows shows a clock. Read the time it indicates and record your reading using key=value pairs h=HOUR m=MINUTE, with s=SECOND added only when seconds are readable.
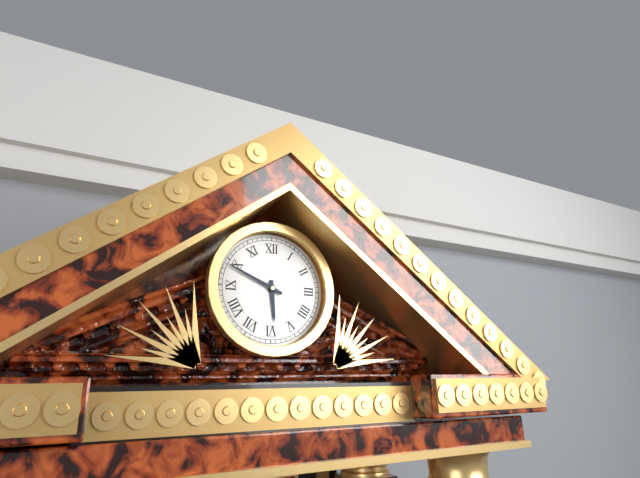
h=5 m=49
